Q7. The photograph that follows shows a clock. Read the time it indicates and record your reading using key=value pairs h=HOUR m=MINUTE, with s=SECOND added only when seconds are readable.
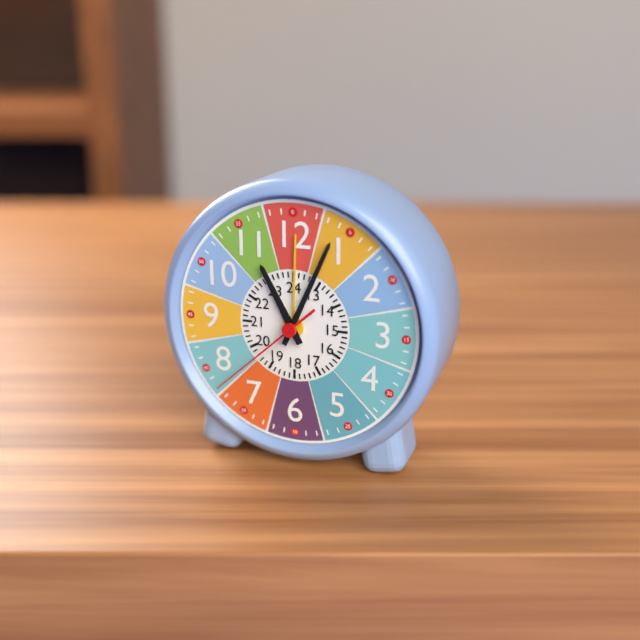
h=11 m=4 s=38
